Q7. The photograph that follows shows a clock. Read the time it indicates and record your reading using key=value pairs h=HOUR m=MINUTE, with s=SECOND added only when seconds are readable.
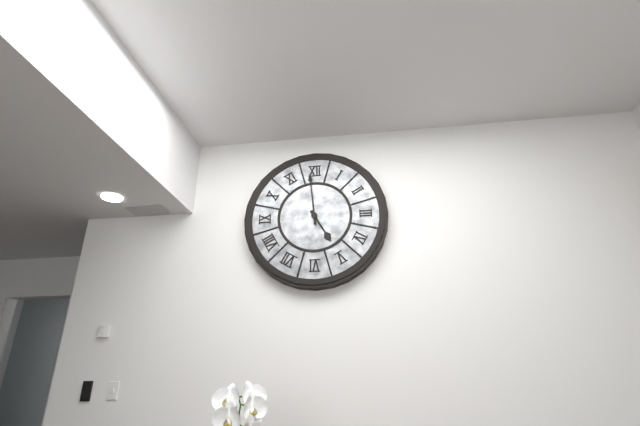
h=4 m=59
